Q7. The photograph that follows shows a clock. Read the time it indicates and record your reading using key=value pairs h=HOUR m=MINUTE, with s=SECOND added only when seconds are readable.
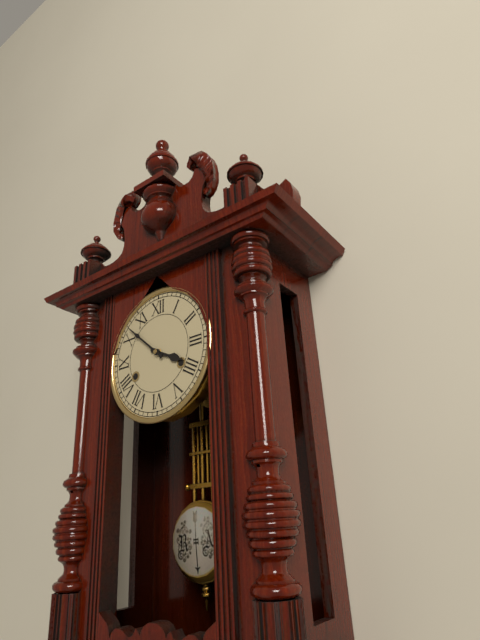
h=3 m=52
